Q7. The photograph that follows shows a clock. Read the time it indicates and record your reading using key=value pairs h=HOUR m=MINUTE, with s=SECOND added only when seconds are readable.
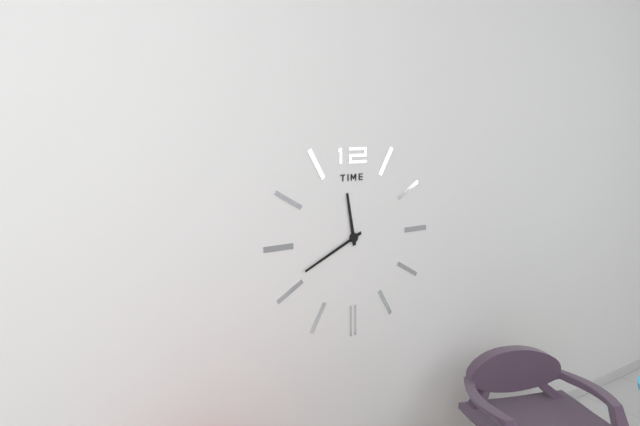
h=11 m=41
